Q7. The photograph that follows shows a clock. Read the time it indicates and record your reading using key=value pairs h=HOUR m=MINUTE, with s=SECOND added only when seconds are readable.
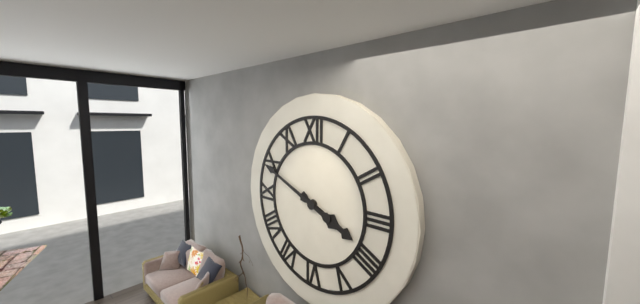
h=3 m=49
